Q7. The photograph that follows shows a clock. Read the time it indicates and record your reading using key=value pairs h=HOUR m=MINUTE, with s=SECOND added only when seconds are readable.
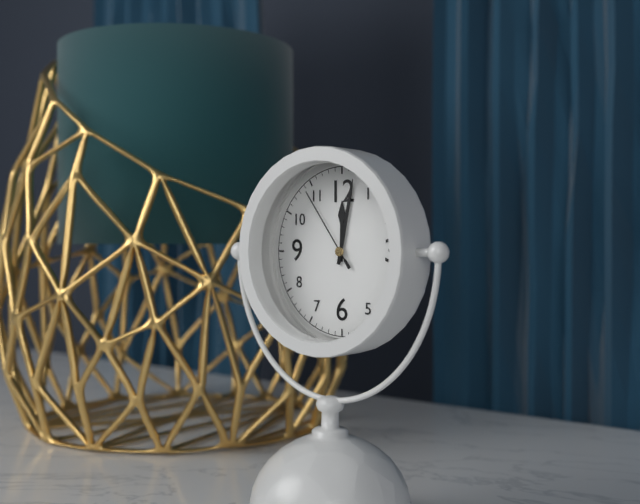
h=12 m=2 s=54
